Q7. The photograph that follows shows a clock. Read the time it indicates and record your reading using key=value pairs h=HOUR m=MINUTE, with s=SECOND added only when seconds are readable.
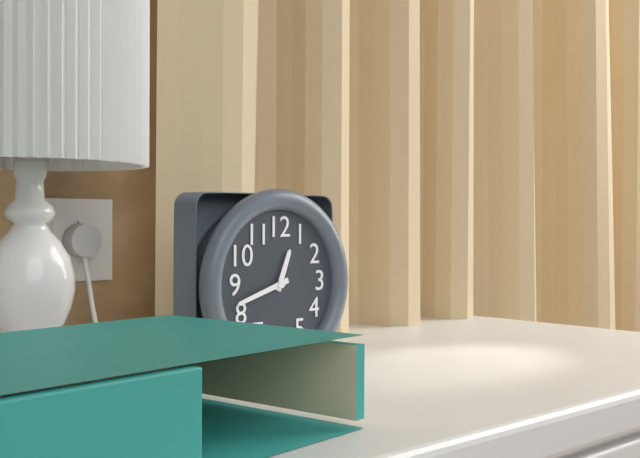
h=12 m=42
